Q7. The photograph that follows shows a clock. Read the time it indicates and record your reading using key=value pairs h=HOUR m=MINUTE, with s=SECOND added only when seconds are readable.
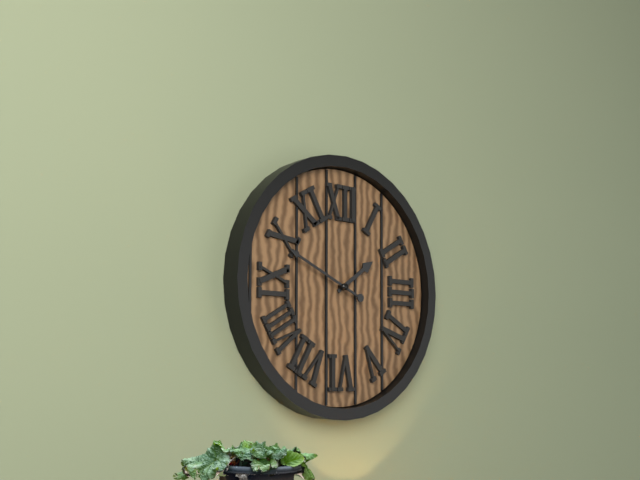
h=1 m=49
